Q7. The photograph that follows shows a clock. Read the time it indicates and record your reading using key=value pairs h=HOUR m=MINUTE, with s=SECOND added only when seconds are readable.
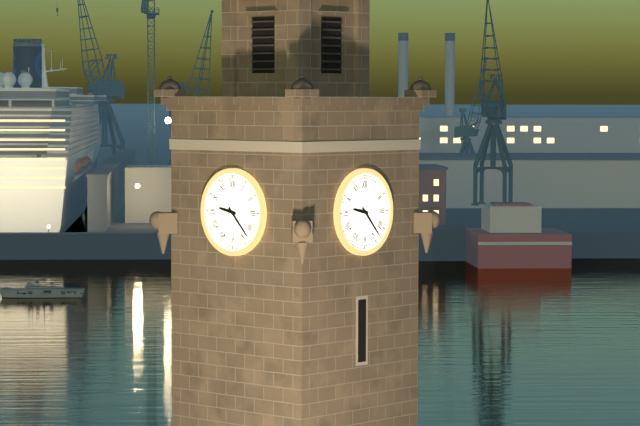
h=9 m=23
